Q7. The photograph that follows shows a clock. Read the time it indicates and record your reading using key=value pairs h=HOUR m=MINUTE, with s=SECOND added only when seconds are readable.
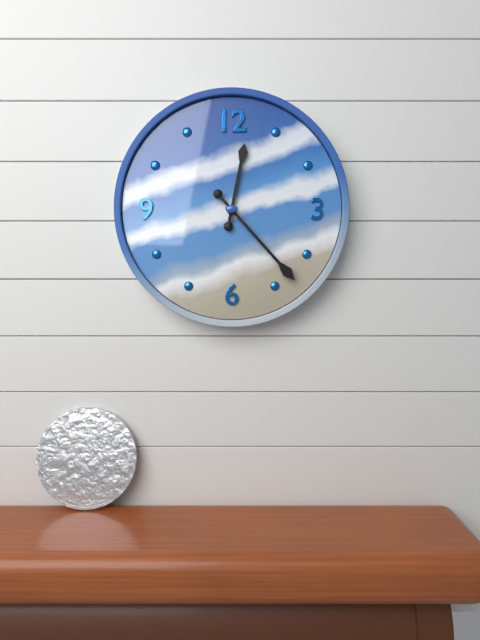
h=12 m=23
